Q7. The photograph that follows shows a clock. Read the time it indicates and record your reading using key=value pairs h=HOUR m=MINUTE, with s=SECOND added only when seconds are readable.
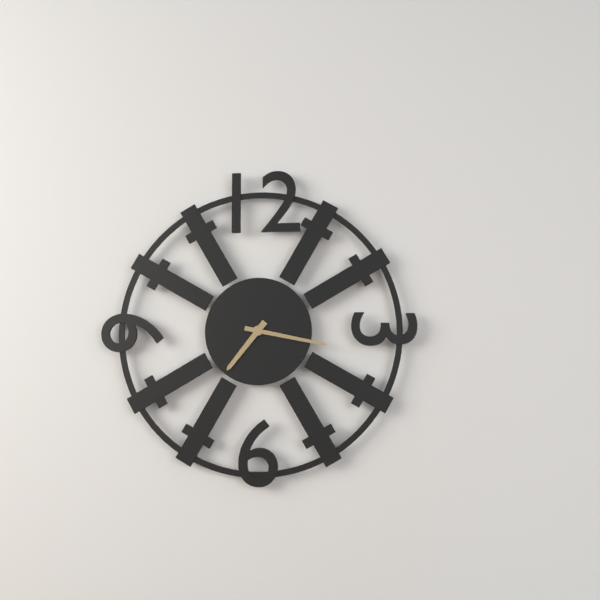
h=7 m=17
